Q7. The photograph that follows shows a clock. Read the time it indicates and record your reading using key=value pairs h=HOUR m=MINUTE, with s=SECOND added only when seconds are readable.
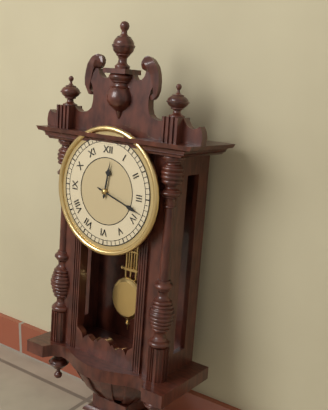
h=12 m=18
